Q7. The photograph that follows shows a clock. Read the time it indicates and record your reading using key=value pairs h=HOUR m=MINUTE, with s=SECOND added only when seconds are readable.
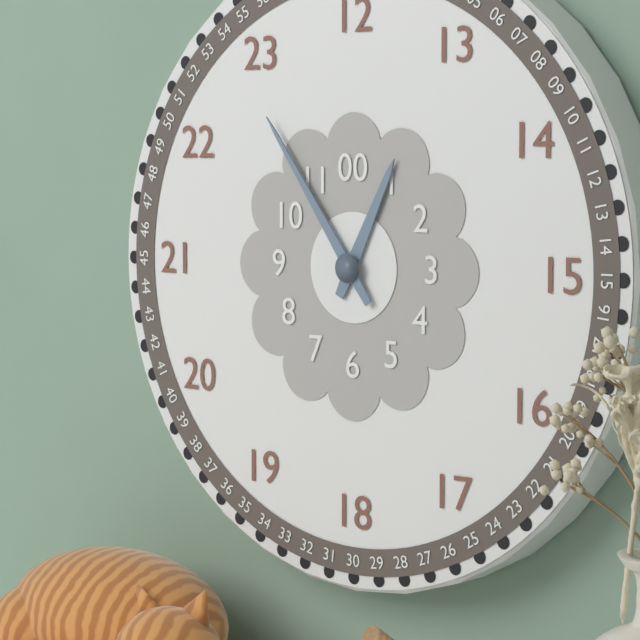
h=12 m=54
